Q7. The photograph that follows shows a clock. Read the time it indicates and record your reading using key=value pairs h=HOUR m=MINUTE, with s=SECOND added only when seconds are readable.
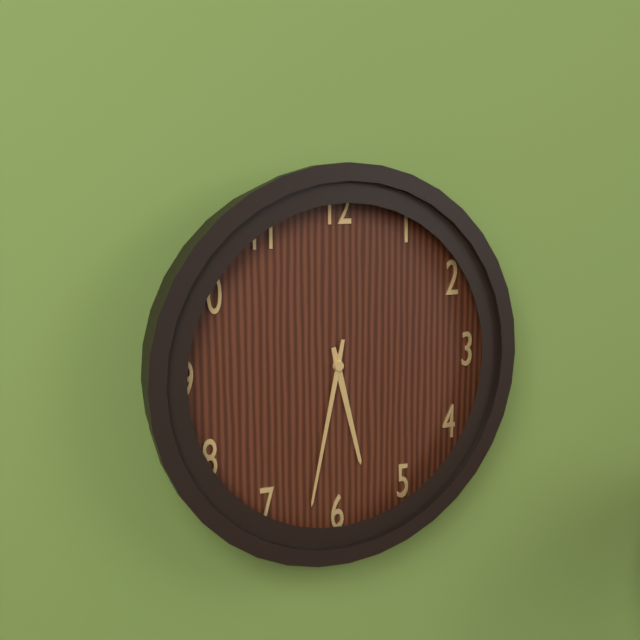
h=5 m=32
